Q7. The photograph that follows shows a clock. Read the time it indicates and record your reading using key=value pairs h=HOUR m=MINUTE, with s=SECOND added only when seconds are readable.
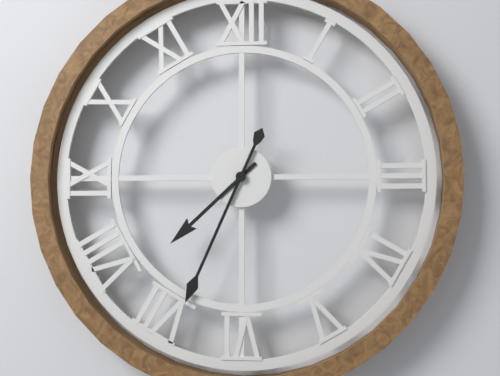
h=7 m=34
